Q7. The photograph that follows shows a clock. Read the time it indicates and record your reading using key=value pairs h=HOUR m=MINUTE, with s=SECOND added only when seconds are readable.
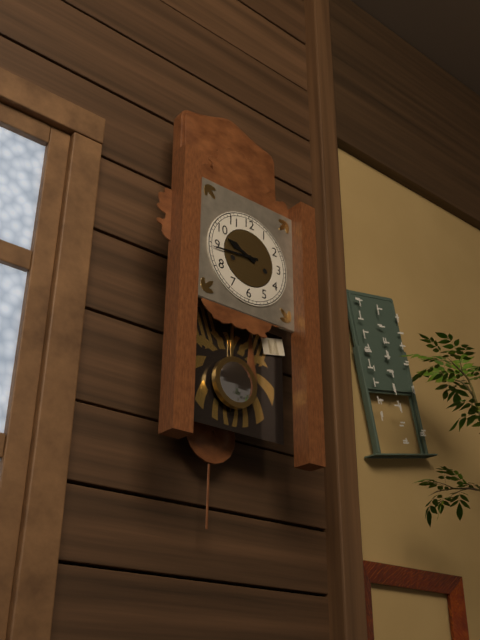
h=9 m=44
